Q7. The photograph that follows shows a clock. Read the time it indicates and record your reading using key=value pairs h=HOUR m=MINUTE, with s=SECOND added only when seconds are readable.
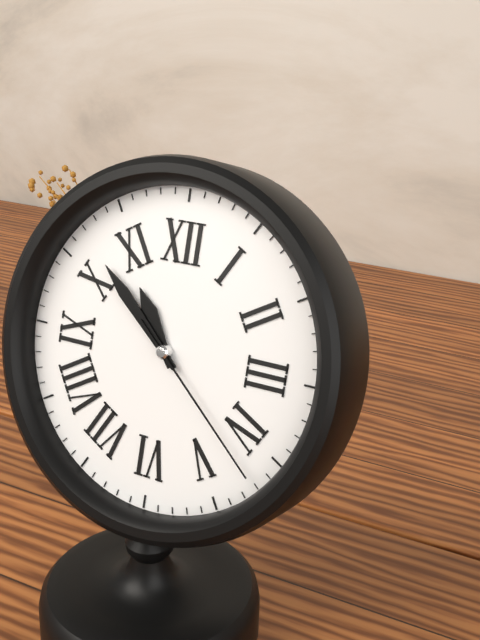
h=10 m=52 s=22
